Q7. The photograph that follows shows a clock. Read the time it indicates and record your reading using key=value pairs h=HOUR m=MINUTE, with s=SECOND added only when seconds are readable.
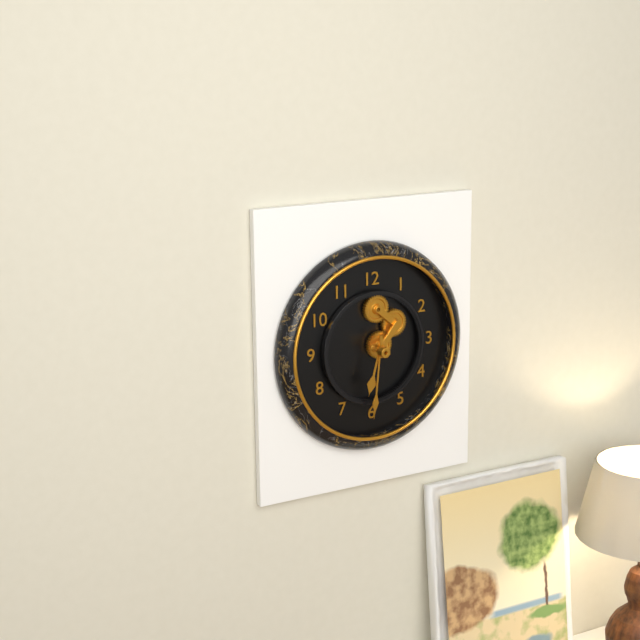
h=6 m=31
